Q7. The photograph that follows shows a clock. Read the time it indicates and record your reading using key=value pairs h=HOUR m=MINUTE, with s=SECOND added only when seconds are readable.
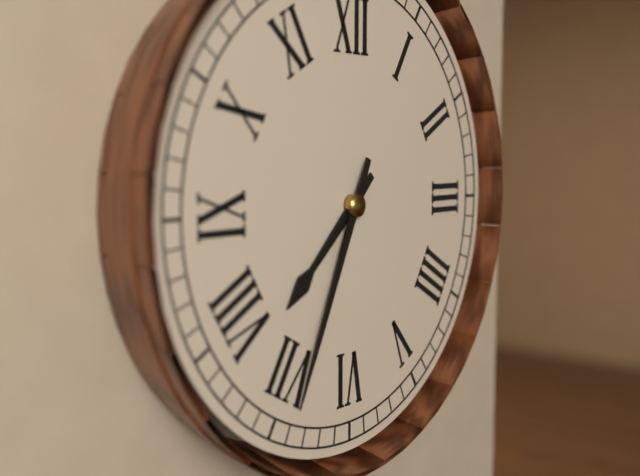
h=7 m=34
